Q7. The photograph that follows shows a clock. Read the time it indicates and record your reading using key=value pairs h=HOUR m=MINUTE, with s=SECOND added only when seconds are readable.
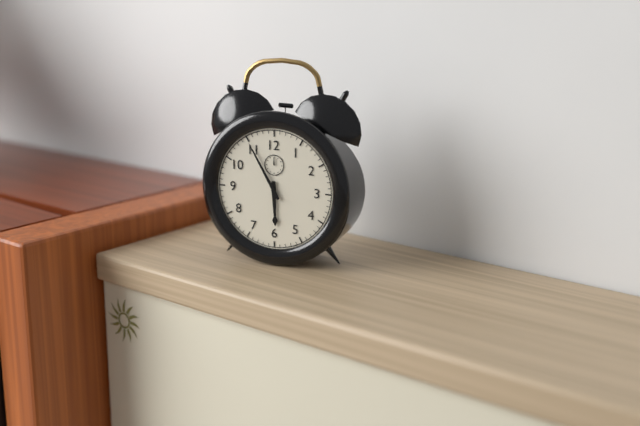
h=5 m=55
